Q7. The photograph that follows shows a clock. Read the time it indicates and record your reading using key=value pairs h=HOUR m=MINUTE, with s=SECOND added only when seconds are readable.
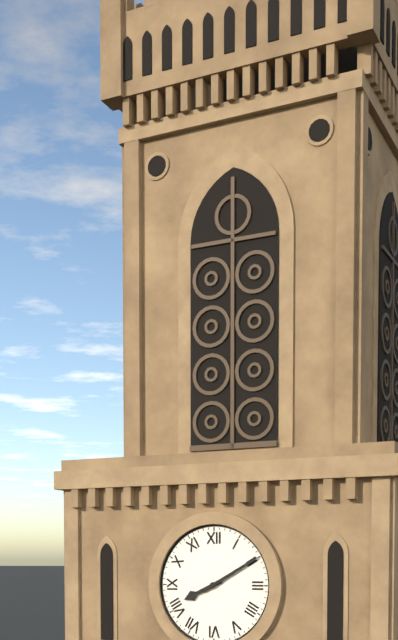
h=8 m=10
